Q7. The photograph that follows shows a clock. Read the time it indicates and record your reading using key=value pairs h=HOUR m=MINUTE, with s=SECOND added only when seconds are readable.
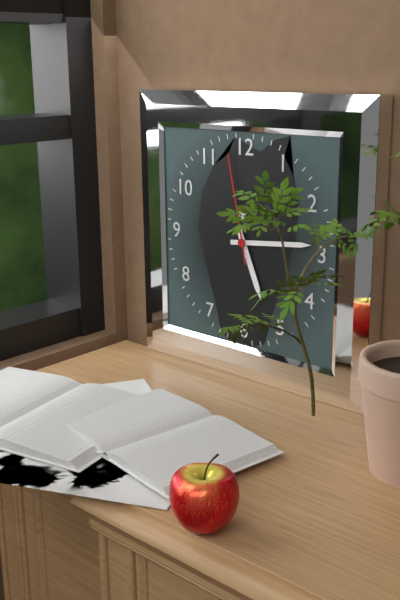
h=5 m=14 s=58
